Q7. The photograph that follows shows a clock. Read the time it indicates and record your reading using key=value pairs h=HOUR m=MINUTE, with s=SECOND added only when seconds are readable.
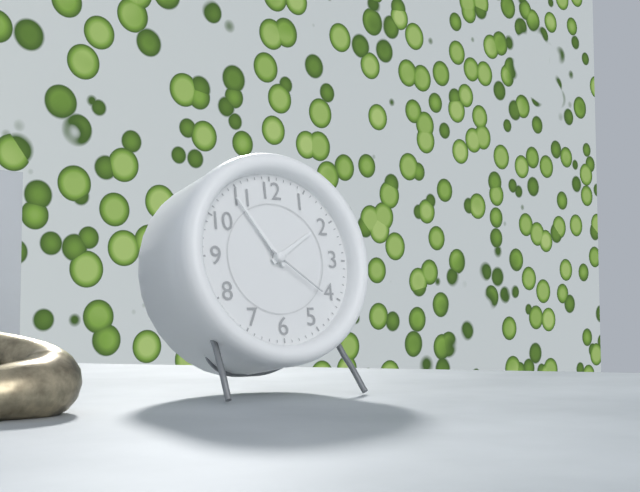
h=1 m=54 s=21
